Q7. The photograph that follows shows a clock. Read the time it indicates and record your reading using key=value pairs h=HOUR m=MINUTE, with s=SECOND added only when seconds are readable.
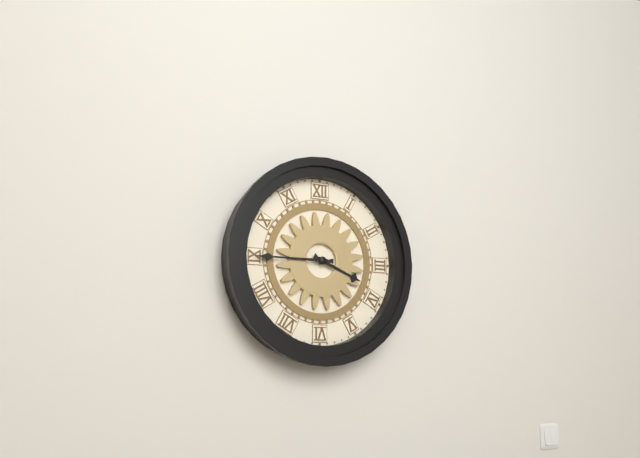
h=3 m=45
